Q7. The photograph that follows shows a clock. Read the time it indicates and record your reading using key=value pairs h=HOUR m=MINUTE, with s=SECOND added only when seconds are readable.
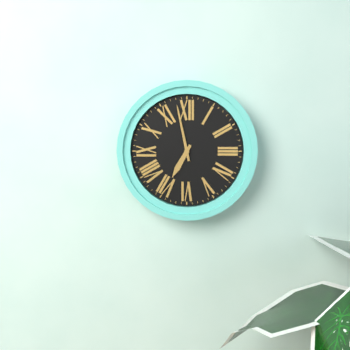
h=6 m=58
